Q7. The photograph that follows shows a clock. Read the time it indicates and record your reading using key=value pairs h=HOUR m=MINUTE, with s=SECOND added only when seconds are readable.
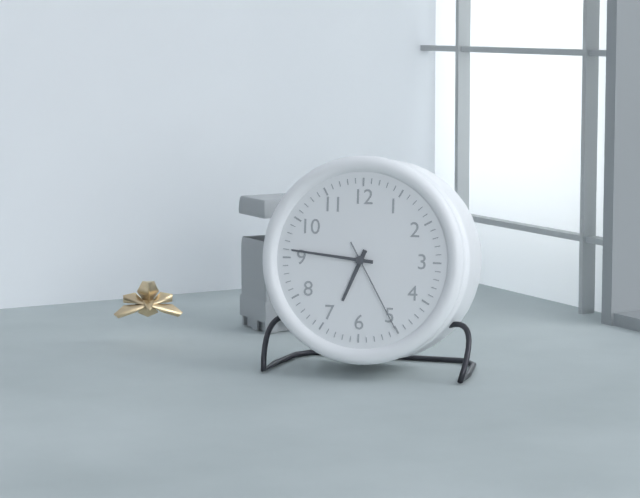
h=6 m=46 s=25
